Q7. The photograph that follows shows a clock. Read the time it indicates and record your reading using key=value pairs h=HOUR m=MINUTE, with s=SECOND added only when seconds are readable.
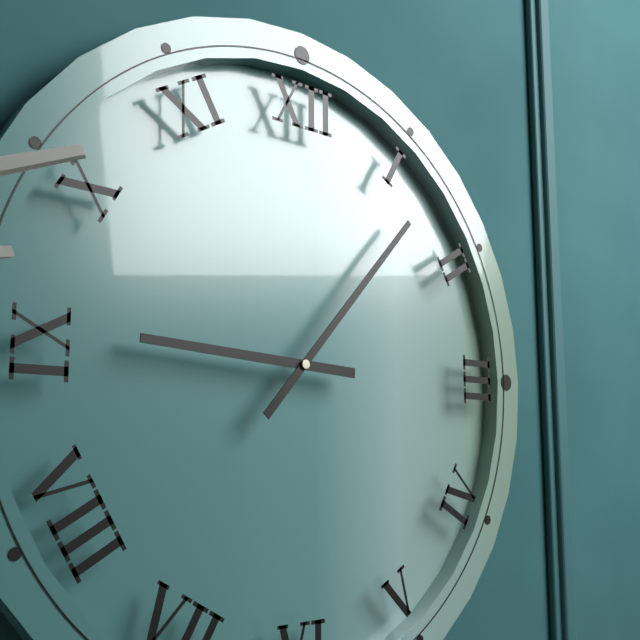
h=9 m=7
